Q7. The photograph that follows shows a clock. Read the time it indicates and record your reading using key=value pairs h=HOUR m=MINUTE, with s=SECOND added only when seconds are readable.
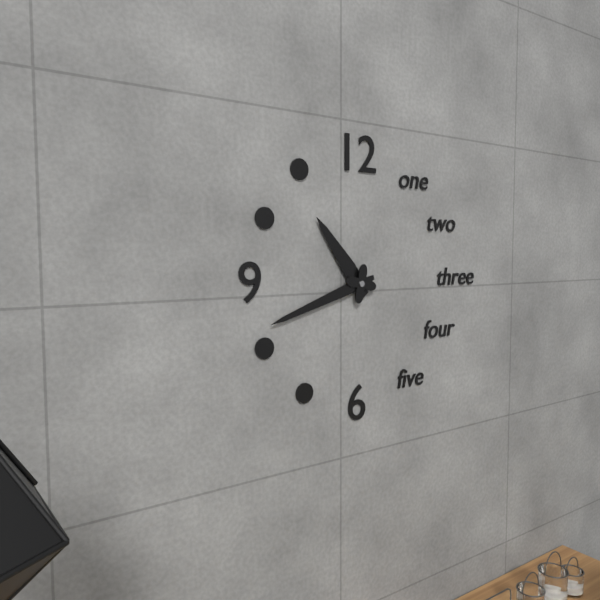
h=10 m=42
